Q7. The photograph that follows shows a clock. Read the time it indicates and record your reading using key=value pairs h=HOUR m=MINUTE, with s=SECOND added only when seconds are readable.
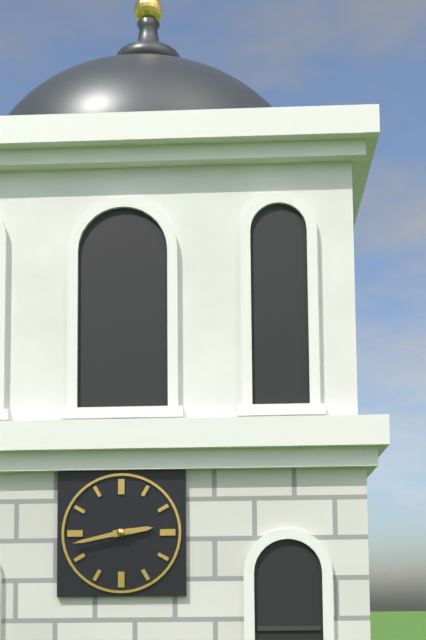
h=2 m=43
